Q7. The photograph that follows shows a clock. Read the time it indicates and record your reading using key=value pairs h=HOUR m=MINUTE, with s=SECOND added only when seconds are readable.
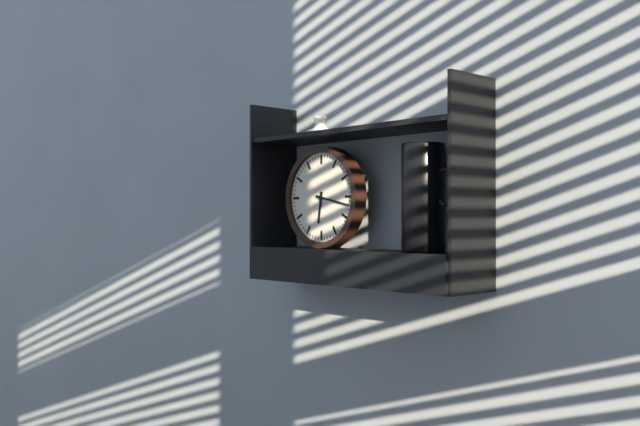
h=6 m=17
